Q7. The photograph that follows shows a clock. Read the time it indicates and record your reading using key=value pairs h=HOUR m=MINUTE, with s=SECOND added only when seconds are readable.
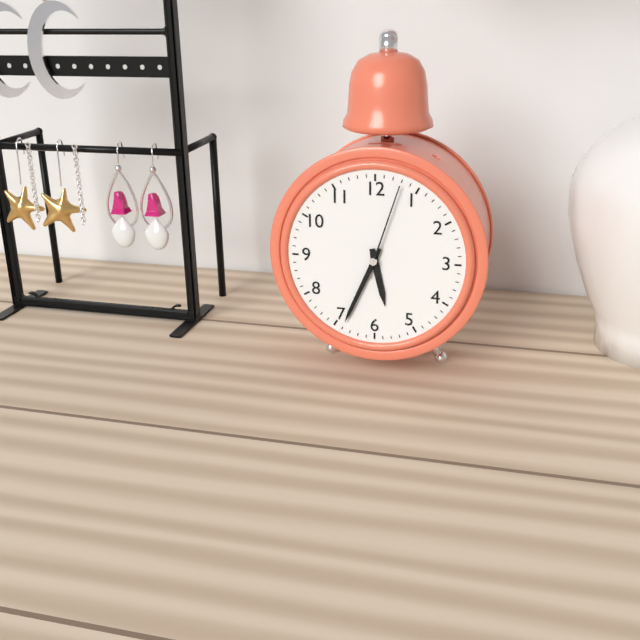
h=5 m=34 s=3
